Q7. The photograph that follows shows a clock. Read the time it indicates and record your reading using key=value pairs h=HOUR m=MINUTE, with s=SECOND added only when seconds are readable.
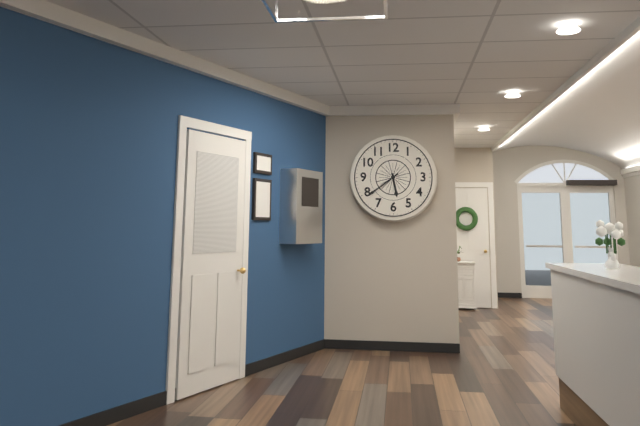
h=5 m=39
